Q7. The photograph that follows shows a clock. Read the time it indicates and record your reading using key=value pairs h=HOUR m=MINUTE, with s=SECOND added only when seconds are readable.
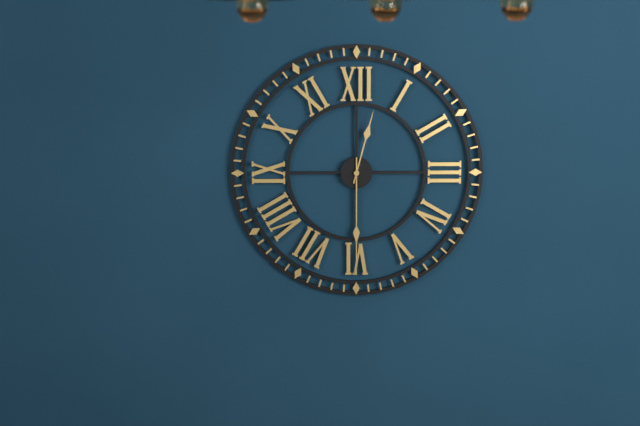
h=12 m=30
